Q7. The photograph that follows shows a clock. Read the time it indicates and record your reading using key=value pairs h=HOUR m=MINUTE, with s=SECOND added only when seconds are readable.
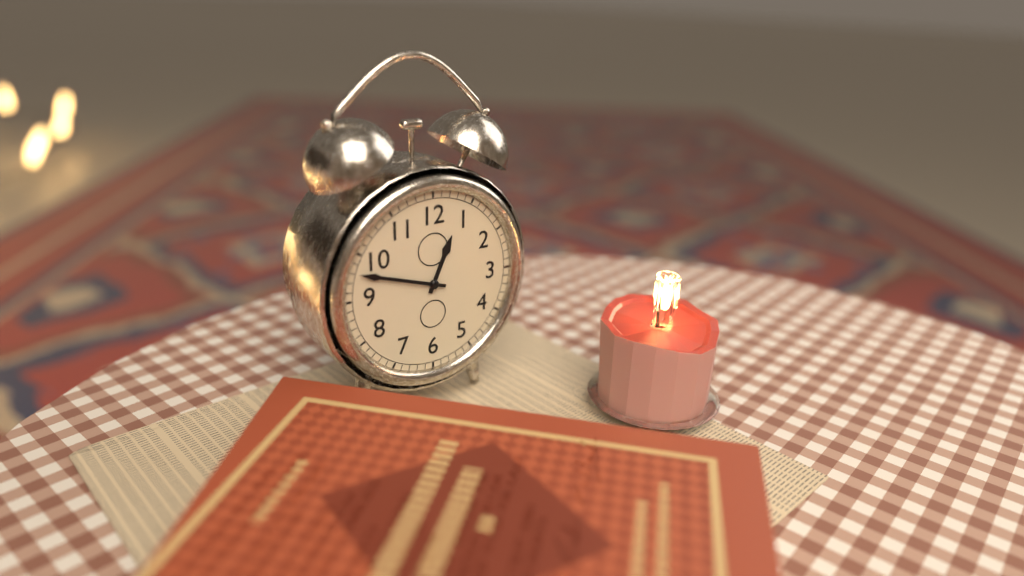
h=12 m=48
